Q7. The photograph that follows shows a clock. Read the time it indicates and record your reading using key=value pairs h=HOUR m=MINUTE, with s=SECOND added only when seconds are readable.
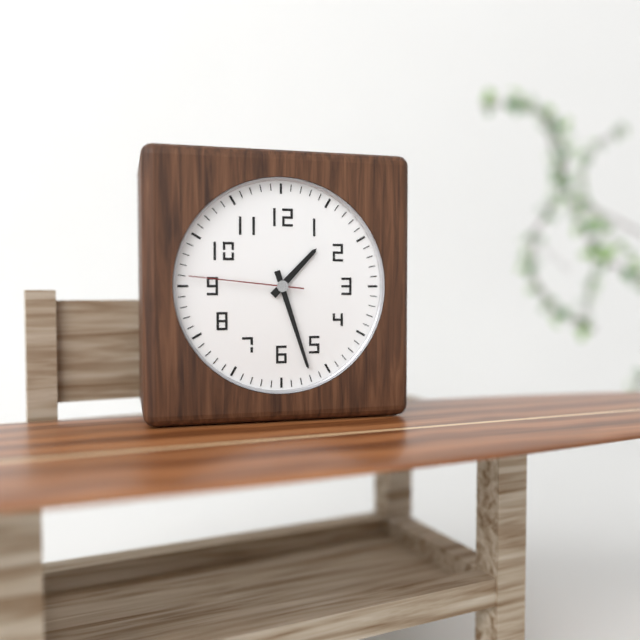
h=1 m=27 s=46
